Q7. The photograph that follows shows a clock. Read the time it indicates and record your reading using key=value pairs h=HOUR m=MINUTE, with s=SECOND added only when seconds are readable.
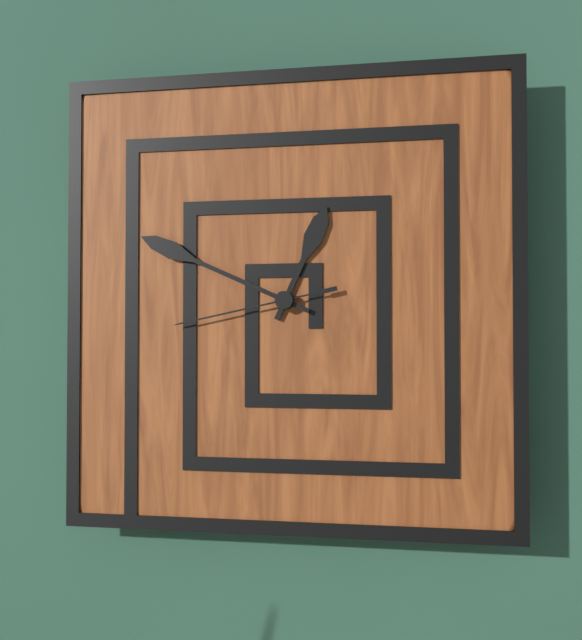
h=12 m=49 s=43
